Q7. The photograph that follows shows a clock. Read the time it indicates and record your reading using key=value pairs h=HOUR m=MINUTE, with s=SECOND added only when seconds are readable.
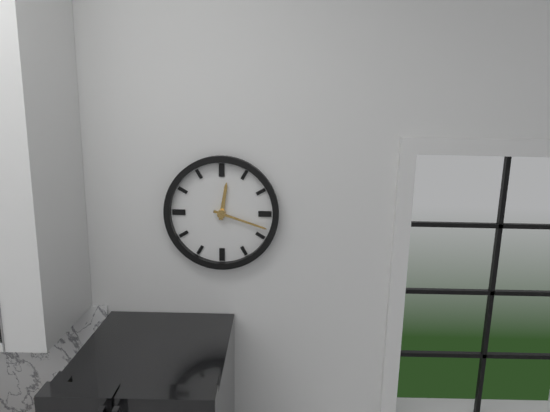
h=12 m=18
